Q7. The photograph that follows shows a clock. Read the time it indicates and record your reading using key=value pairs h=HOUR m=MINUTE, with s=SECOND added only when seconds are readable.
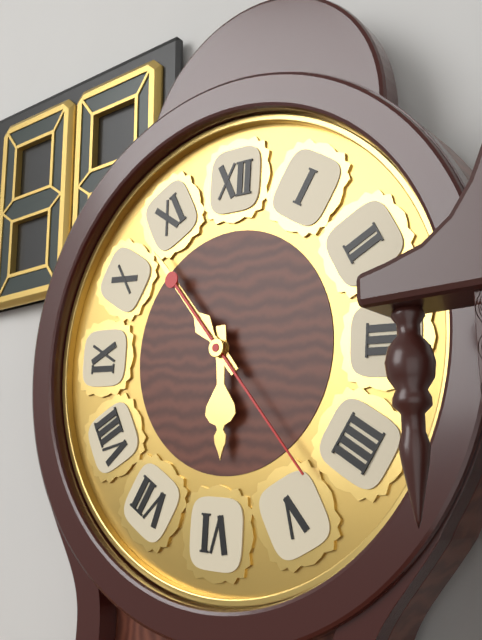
h=5 m=53 s=23
